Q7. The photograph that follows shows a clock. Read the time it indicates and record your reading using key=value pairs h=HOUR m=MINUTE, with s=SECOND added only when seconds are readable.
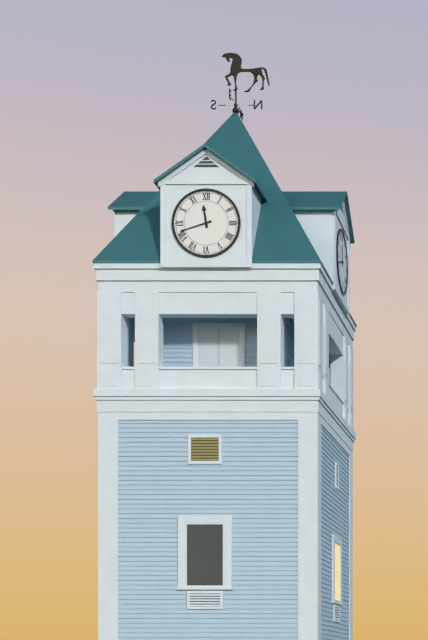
h=11 m=42
